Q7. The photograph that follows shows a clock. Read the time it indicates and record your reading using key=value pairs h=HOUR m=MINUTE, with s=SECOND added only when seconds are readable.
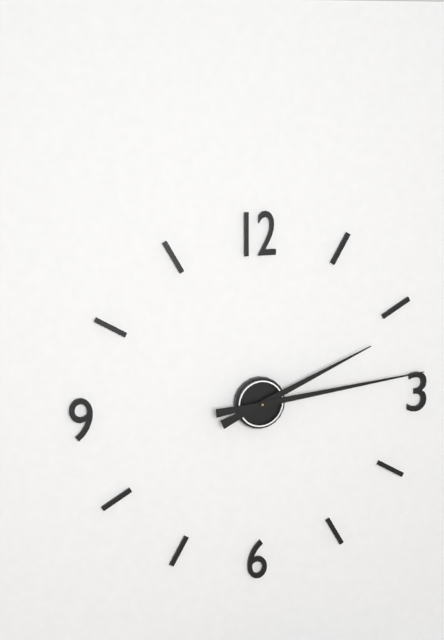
h=2 m=14
